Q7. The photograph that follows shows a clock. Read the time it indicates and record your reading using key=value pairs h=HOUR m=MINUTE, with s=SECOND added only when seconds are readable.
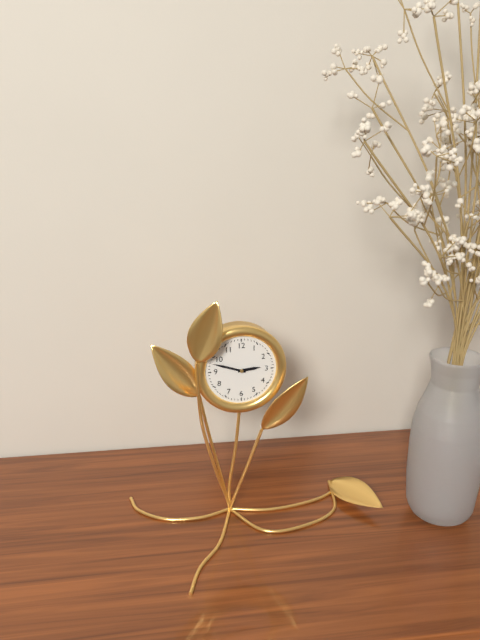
h=2 m=48
